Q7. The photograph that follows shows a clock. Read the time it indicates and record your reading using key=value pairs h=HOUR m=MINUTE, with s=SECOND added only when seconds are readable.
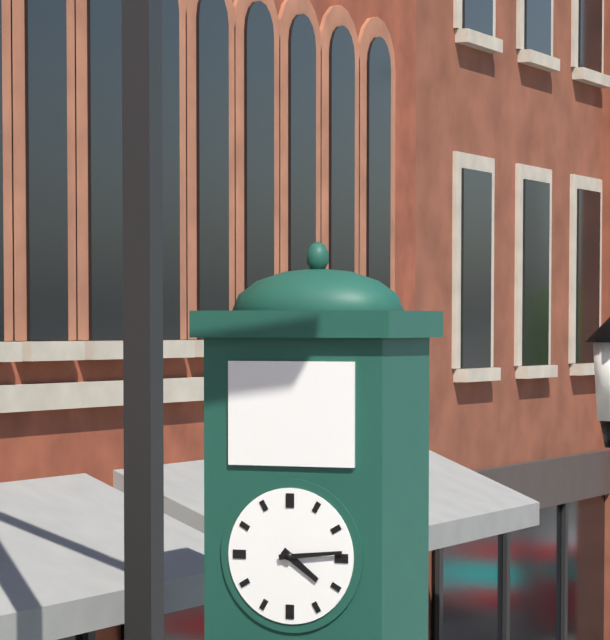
h=4 m=14
